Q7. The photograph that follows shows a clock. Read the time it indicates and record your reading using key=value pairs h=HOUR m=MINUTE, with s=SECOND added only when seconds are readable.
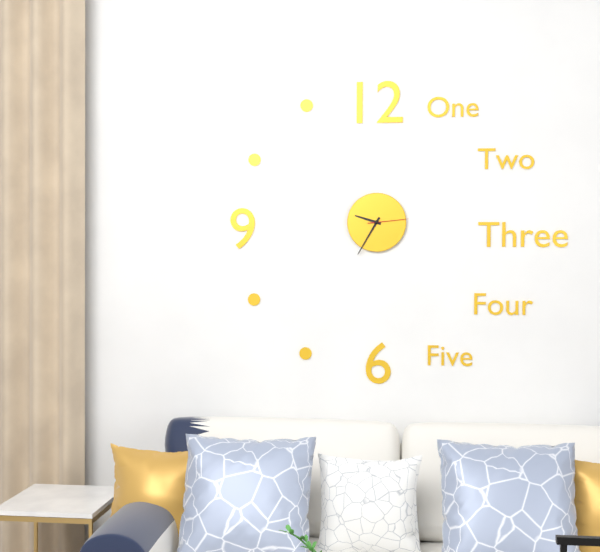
h=9 m=35
